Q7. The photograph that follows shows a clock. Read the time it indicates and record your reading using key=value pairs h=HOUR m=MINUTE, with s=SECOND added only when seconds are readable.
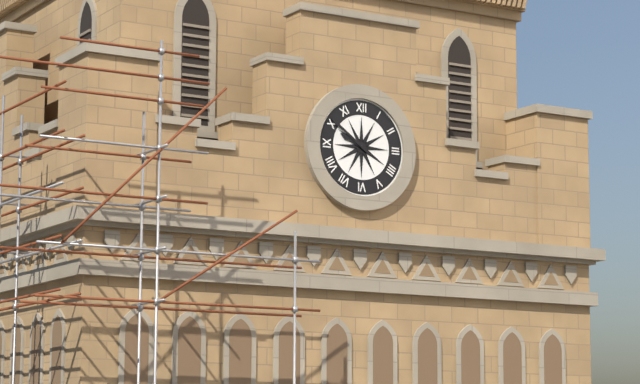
h=9 m=51
